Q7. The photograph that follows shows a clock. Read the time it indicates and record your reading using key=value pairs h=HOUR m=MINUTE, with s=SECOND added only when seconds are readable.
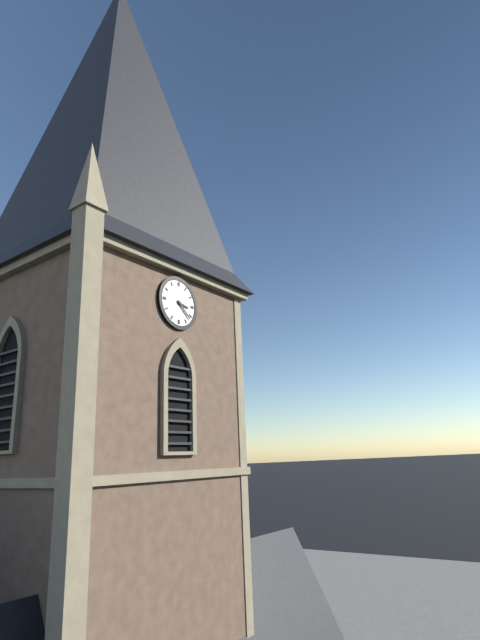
h=3 m=22
